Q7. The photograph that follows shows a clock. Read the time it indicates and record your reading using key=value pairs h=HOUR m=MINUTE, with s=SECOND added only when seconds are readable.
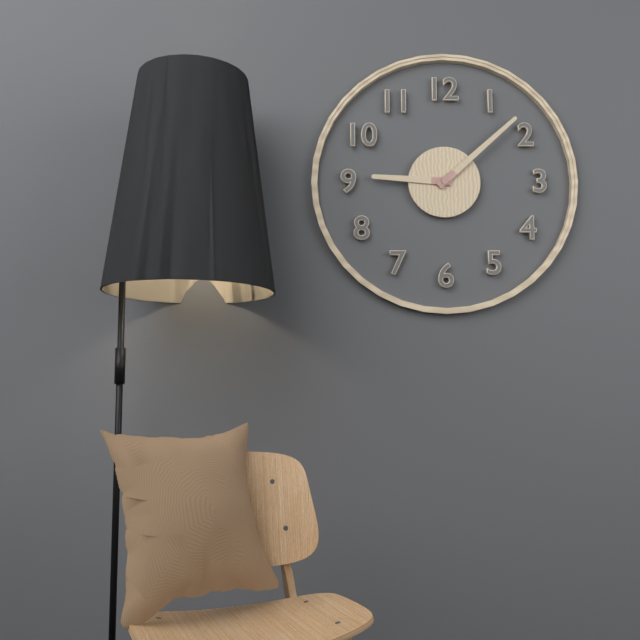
h=9 m=8
